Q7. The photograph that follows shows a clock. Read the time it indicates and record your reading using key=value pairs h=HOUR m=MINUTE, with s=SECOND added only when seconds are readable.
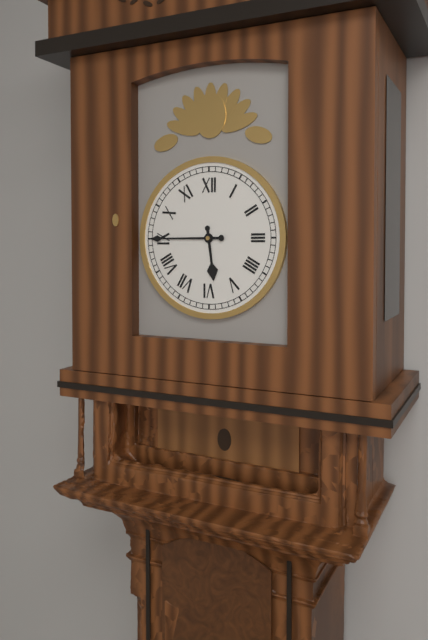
h=5 m=45
